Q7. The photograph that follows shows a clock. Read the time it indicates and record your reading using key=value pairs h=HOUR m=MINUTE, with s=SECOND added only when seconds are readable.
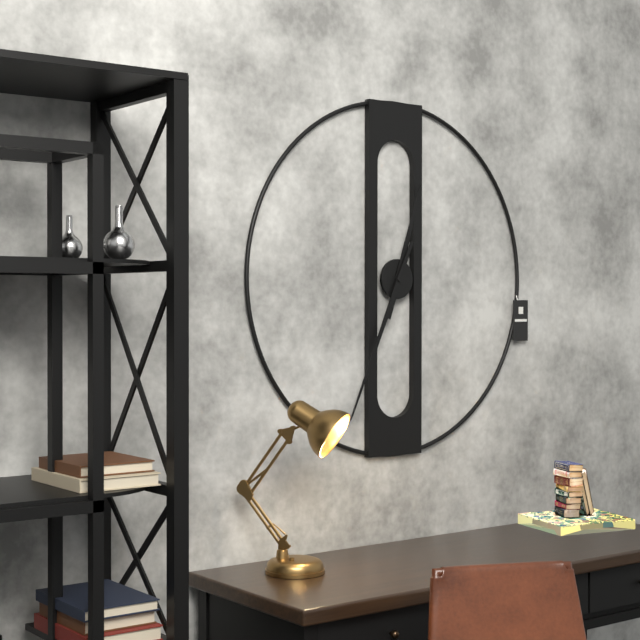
h=12 m=34
